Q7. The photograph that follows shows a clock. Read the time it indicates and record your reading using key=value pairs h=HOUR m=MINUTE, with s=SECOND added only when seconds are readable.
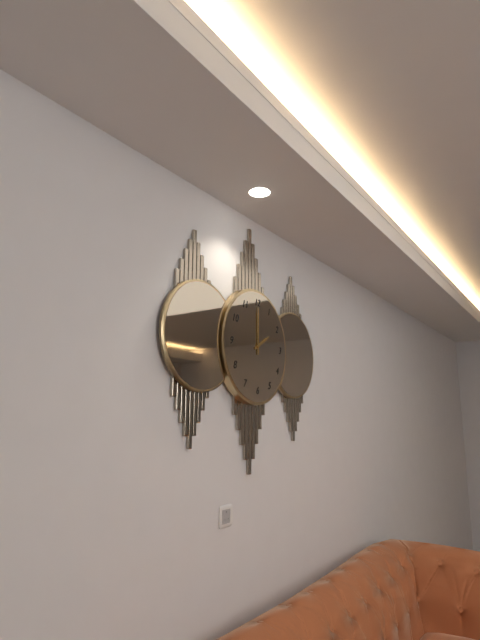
h=2 m=0
